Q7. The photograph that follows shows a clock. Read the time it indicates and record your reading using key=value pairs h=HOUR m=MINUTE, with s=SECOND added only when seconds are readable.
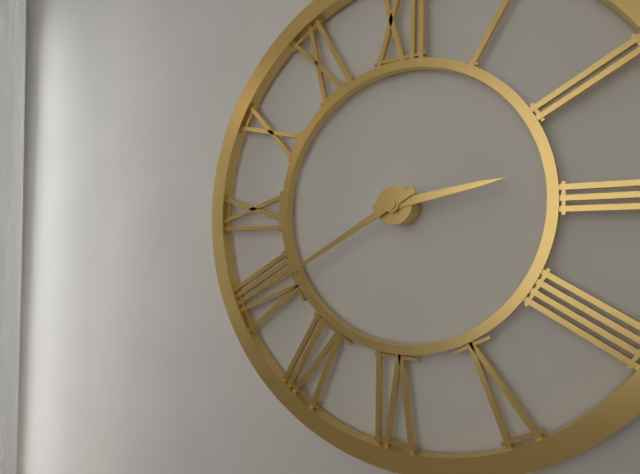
h=2 m=40
